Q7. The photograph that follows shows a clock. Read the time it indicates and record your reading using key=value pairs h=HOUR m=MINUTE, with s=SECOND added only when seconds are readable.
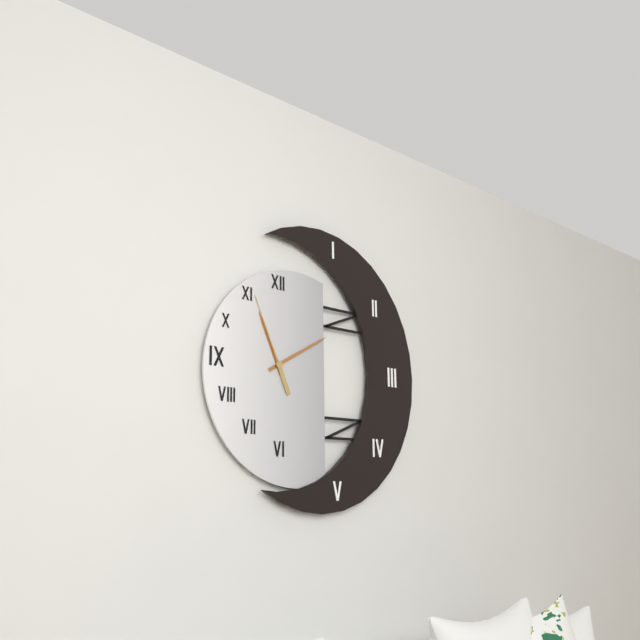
h=11 m=10 s=56
